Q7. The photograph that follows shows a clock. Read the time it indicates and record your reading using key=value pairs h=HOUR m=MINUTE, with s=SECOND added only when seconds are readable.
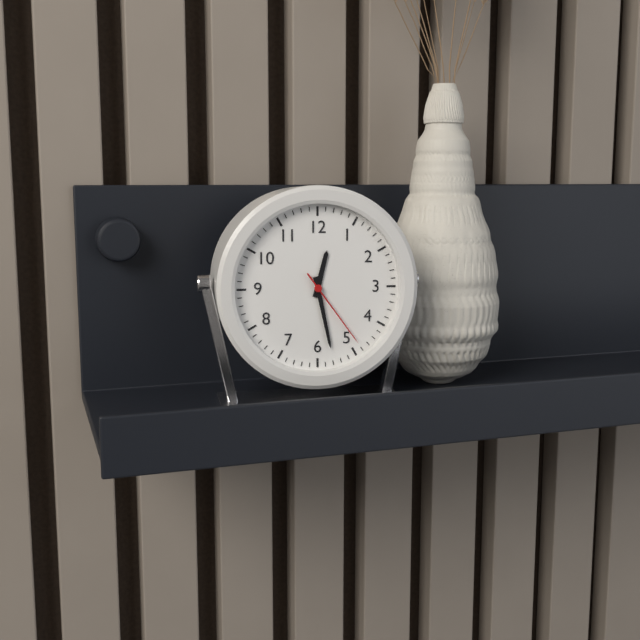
h=12 m=28 s=24
